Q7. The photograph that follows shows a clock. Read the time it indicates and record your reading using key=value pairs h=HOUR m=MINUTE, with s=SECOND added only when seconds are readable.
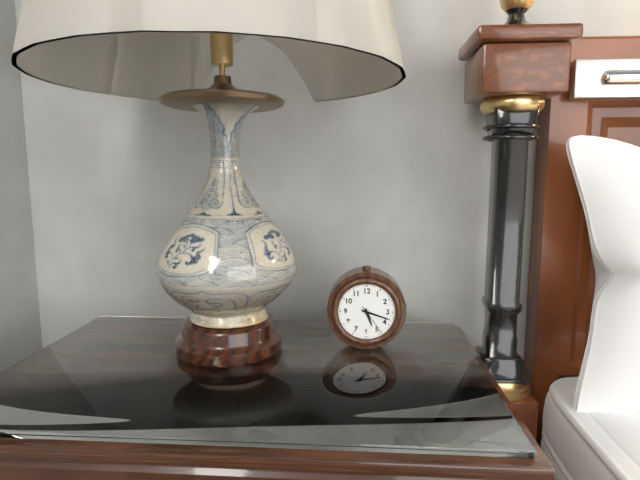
h=5 m=18
